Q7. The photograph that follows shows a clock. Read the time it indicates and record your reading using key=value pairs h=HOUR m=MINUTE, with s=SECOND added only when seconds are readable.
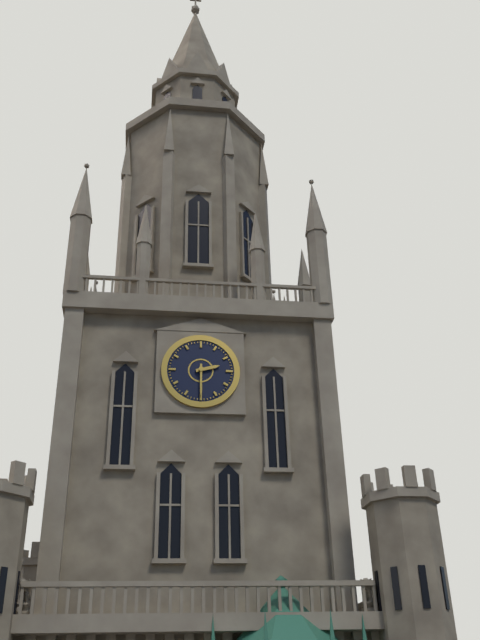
h=2 m=30
